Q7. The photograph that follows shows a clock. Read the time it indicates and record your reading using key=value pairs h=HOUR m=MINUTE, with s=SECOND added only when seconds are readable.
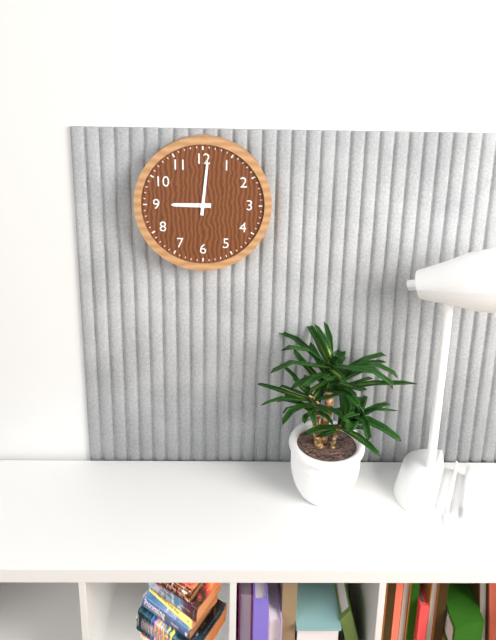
h=9 m=1
